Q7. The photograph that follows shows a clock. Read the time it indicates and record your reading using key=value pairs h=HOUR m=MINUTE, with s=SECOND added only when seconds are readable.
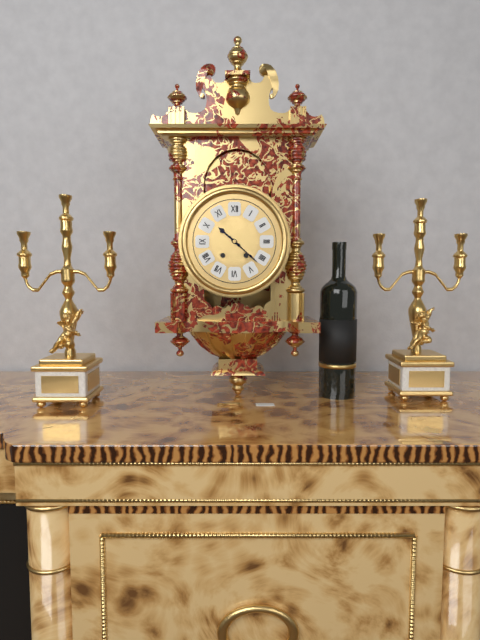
h=10 m=22
